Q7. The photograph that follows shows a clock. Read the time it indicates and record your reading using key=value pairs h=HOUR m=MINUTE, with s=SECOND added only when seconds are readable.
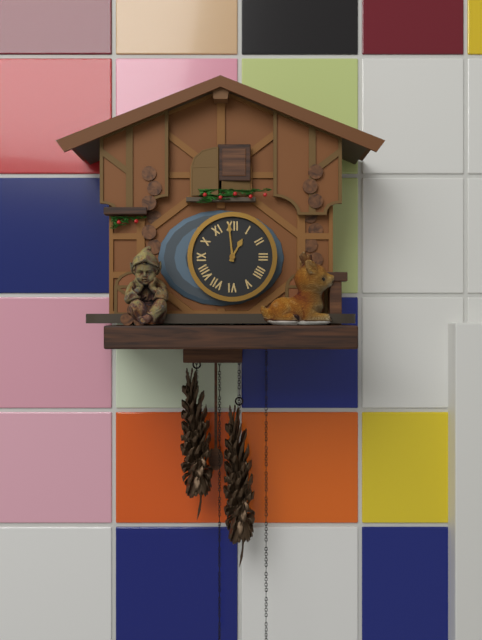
h=12 m=59
